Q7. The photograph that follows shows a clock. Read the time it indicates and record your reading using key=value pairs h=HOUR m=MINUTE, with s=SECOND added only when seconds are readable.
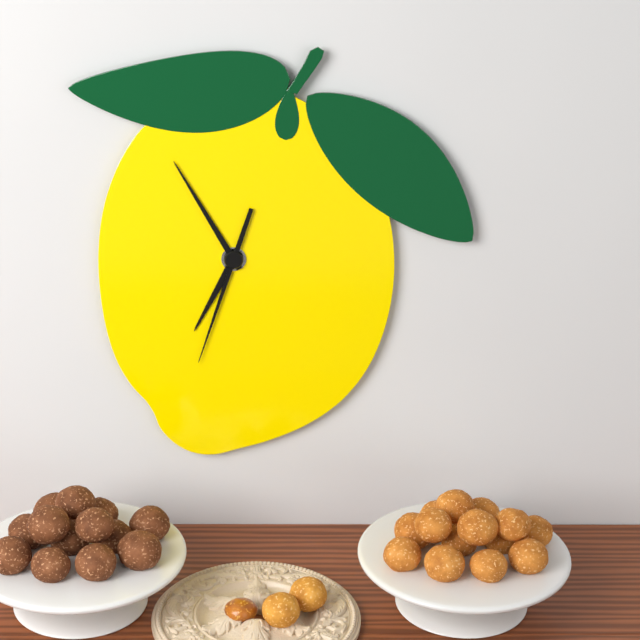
h=6 m=55 s=33
